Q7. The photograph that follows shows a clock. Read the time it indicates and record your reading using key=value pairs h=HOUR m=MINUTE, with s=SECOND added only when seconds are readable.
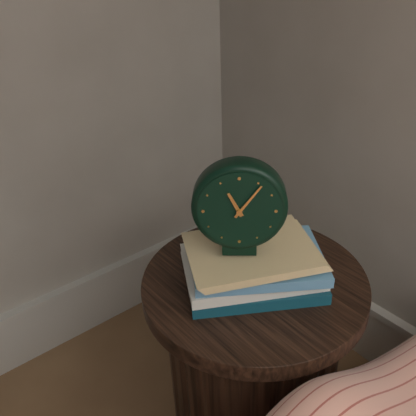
h=11 m=6
